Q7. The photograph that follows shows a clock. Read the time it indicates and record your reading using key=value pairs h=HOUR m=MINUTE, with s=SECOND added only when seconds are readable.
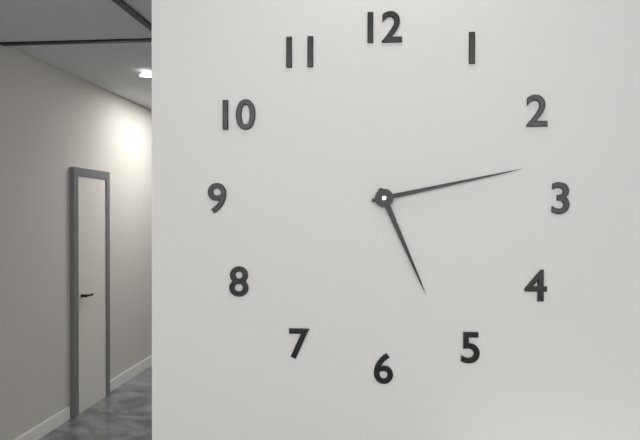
h=5 m=13
